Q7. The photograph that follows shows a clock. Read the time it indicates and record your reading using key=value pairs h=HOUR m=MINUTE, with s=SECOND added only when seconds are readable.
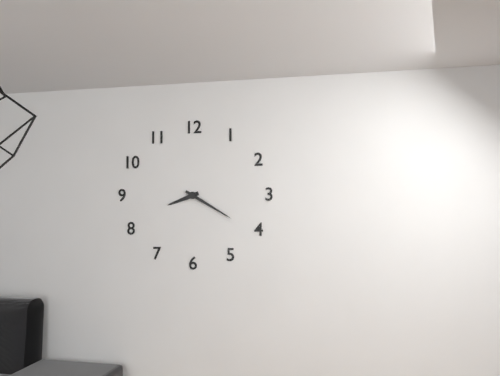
h=8 m=20
